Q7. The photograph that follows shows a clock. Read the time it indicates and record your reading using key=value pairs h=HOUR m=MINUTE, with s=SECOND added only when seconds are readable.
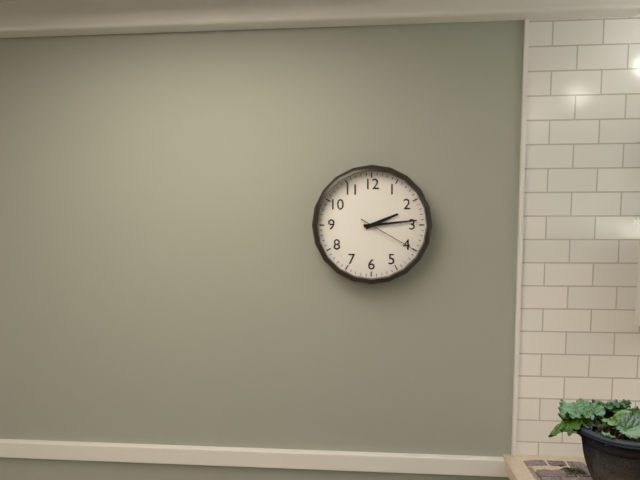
h=2 m=14 s=20
